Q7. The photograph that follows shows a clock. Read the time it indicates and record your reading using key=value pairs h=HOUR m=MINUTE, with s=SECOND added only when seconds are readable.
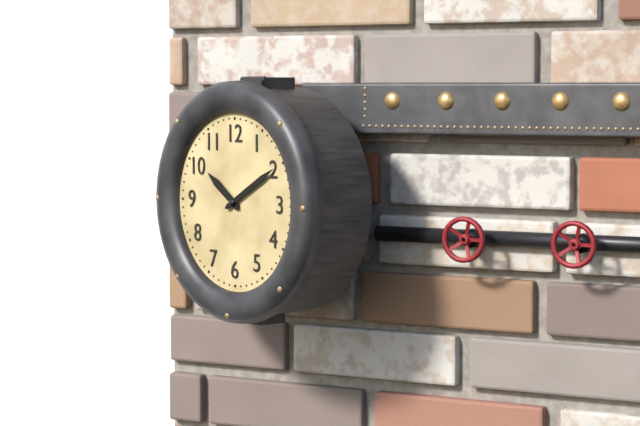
h=10 m=10
